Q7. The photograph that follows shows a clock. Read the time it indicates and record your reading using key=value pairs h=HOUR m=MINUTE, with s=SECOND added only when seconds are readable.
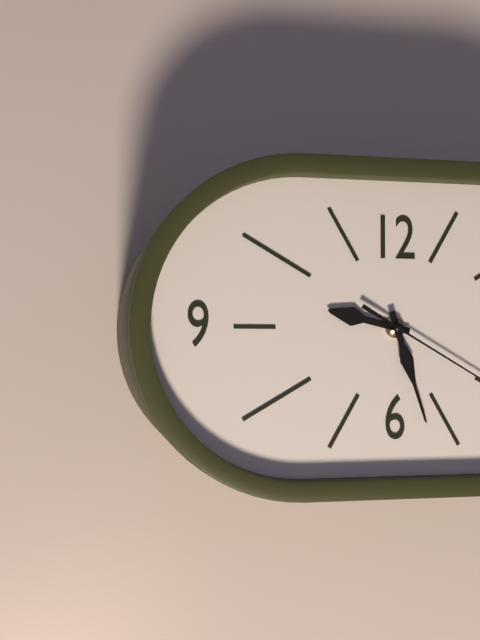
h=9 m=27
